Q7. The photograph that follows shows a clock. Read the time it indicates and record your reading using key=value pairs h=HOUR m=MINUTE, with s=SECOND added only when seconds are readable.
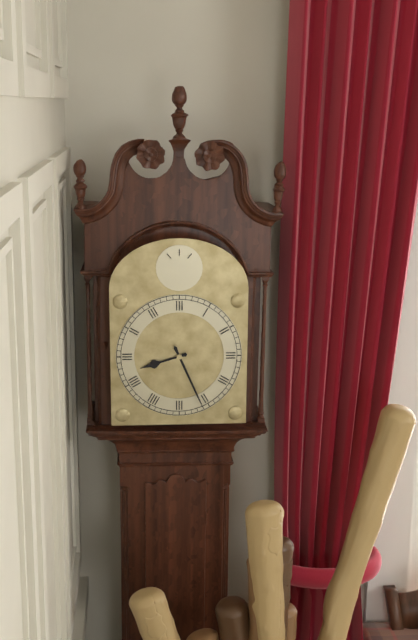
h=8 m=26
